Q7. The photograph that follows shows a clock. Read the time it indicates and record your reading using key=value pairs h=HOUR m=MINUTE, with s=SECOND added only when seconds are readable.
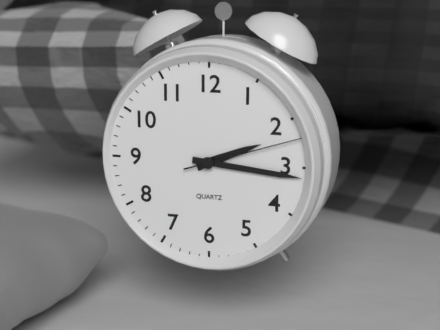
h=2 m=16 s=12
